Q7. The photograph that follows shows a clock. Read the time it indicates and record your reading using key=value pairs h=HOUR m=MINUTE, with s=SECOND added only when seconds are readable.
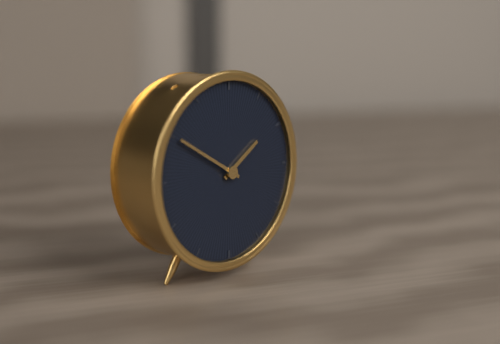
h=1 m=50
